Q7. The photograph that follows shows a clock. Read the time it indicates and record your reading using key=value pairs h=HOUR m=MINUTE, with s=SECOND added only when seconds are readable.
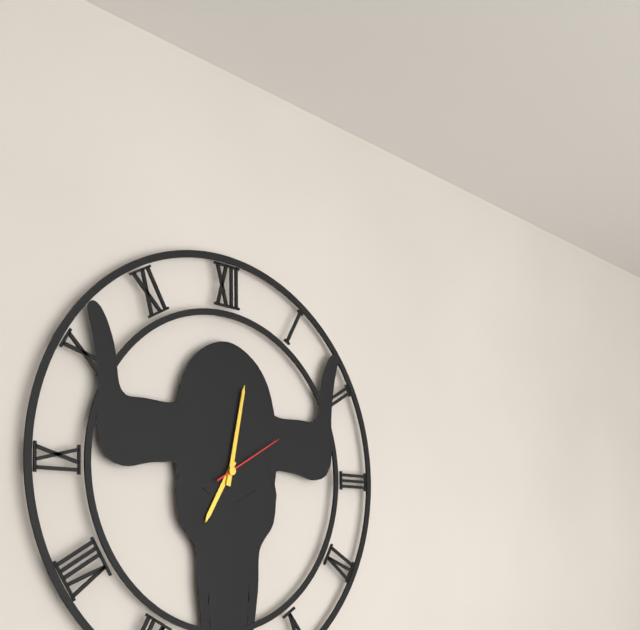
h=7 m=2 s=10
